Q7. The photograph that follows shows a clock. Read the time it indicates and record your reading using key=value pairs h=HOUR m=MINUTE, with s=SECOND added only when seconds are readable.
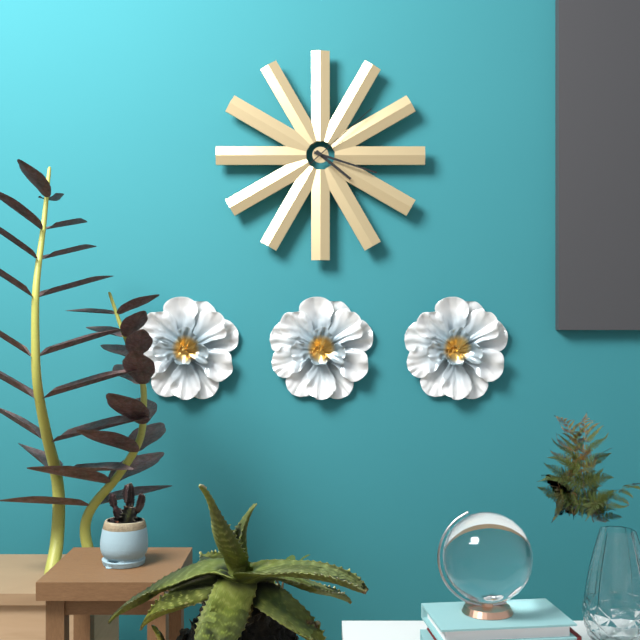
h=4 m=18 s=8
